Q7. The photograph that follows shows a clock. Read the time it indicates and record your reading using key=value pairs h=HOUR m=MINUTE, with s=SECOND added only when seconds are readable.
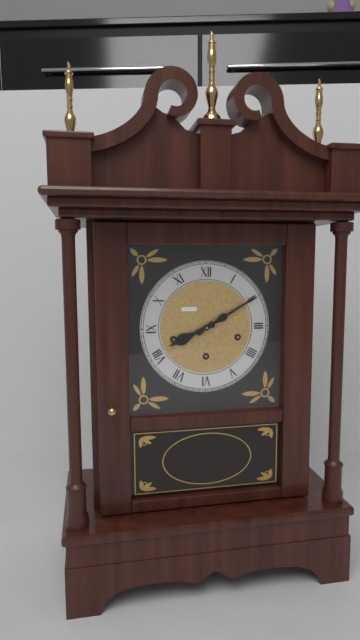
h=8 m=10
